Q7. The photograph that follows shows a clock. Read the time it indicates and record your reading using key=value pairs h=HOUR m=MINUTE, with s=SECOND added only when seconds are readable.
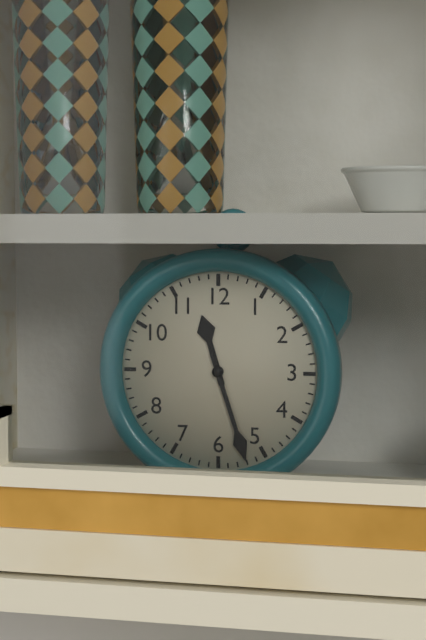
h=11 m=27
